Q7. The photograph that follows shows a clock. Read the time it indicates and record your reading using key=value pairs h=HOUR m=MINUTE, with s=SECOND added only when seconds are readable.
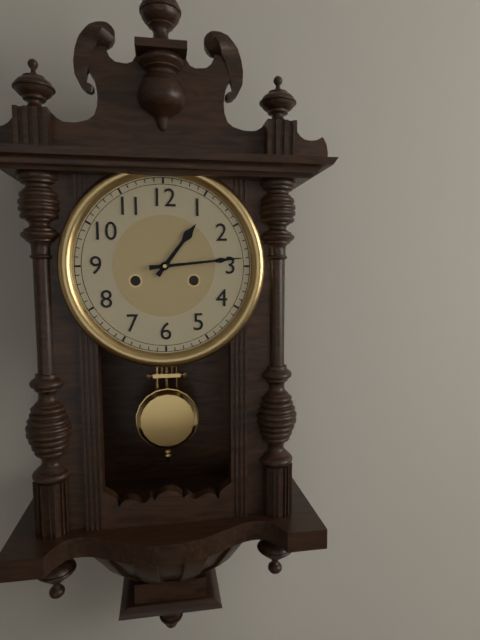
h=1 m=14
